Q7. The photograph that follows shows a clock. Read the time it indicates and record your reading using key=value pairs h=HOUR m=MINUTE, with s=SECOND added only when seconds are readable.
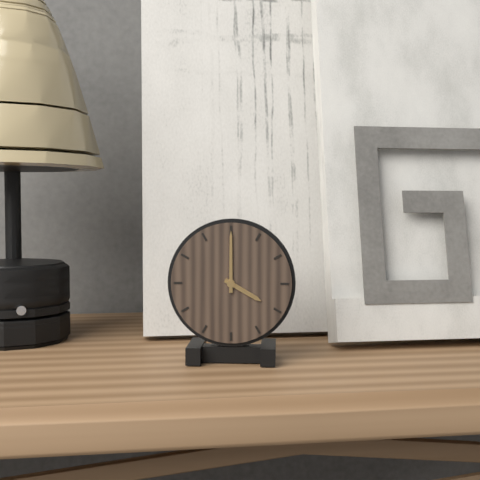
h=4 m=0
